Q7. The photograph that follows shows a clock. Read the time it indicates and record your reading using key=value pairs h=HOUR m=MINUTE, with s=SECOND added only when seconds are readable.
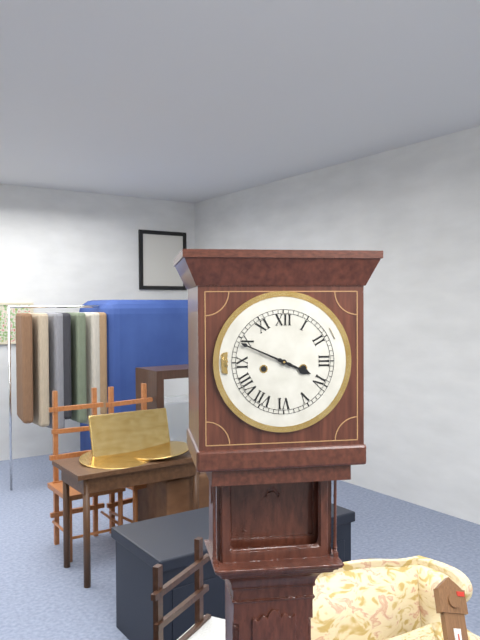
h=3 m=49
